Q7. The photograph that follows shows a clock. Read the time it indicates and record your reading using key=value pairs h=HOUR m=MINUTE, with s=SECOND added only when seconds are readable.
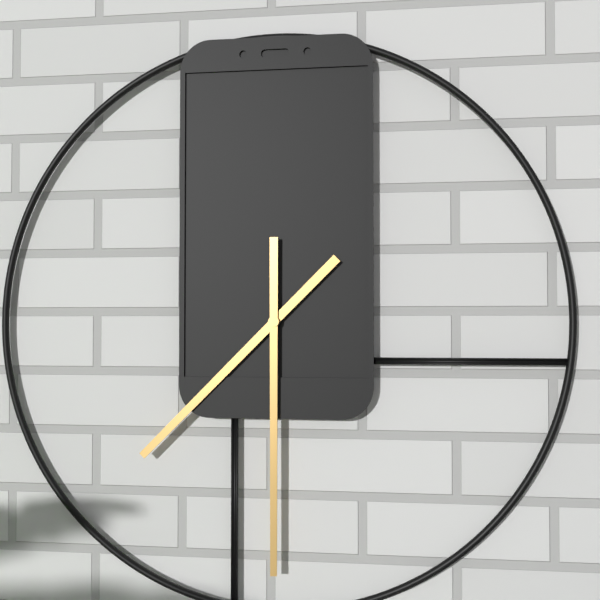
h=7 m=30
